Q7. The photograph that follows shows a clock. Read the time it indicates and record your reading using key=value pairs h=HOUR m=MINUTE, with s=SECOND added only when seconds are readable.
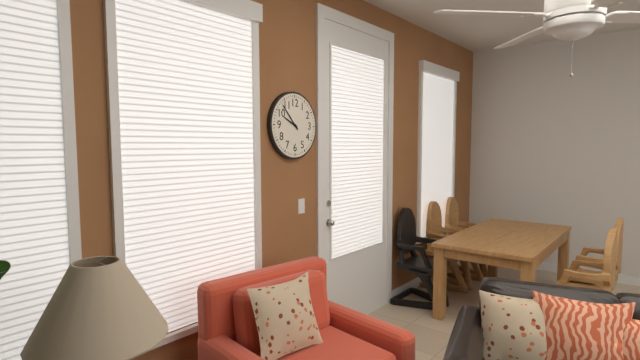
h=9 m=53
